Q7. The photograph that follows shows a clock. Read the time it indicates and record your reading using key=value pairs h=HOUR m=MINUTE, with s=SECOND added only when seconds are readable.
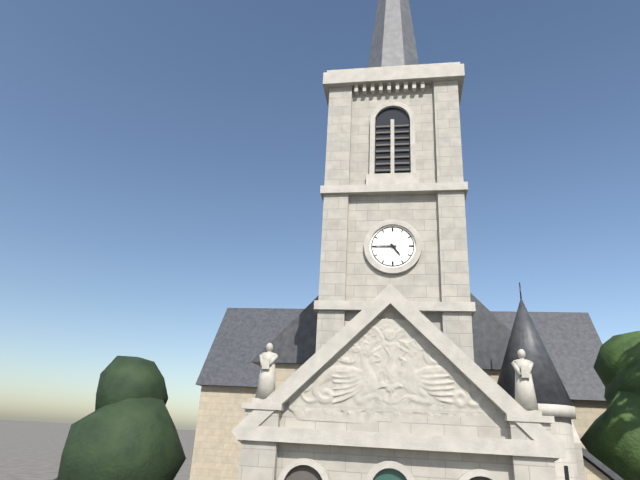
h=4 m=45
